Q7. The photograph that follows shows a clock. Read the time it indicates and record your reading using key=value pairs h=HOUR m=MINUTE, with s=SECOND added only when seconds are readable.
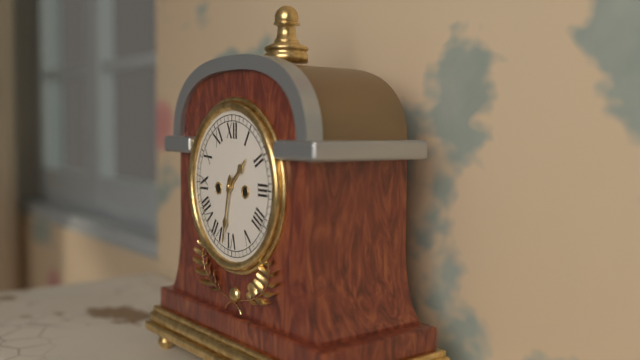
h=1 m=32
